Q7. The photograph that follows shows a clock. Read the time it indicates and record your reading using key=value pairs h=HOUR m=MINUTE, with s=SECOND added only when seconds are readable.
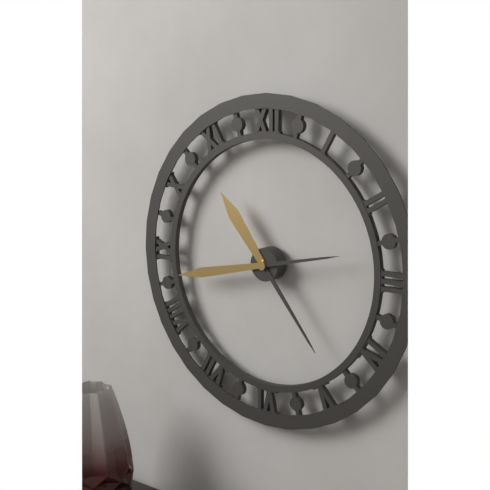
h=10 m=43
